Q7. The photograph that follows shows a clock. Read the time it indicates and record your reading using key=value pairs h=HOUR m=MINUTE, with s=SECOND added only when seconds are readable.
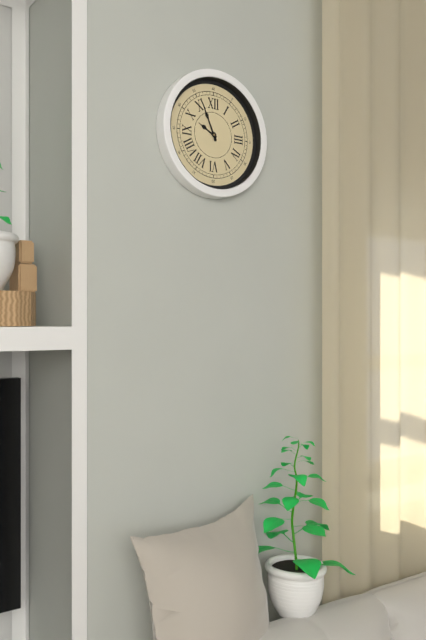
h=9 m=56
